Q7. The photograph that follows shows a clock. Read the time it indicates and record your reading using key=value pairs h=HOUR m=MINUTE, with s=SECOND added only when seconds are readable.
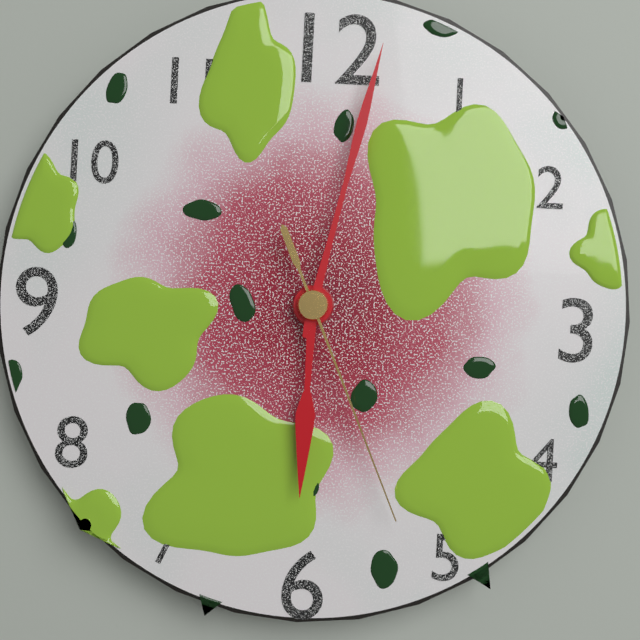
h=6 m=2 s=26
